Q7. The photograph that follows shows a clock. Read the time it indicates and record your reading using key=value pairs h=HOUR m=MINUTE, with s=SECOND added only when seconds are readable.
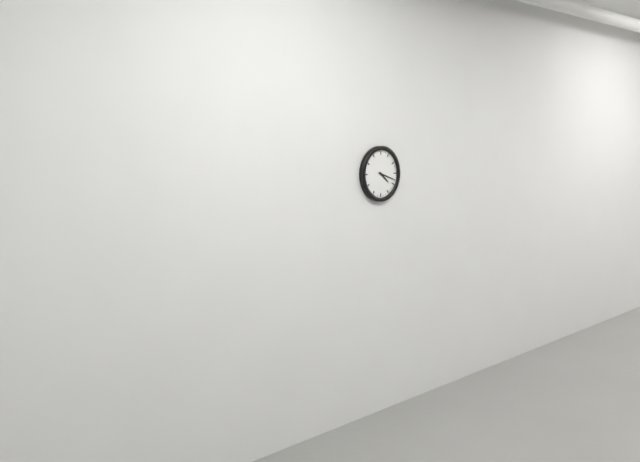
h=4 m=18
